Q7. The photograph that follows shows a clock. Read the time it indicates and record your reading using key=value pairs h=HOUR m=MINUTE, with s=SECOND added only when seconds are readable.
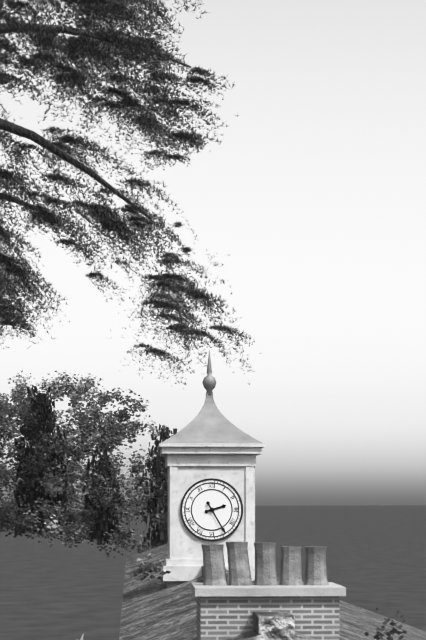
h=2 m=25
